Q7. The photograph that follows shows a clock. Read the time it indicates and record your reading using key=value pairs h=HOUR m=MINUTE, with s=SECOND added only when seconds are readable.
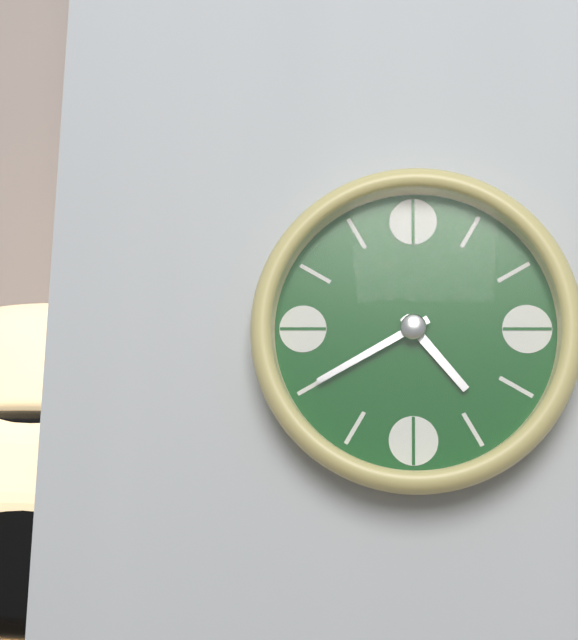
h=4 m=40
